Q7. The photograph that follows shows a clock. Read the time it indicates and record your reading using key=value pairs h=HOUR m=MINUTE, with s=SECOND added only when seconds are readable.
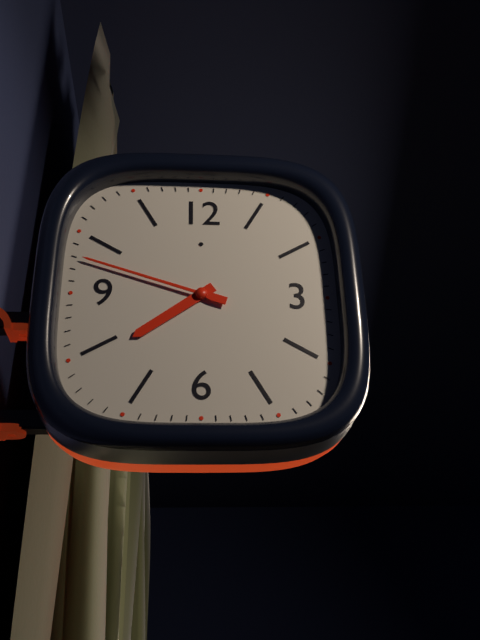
h=7 m=48
